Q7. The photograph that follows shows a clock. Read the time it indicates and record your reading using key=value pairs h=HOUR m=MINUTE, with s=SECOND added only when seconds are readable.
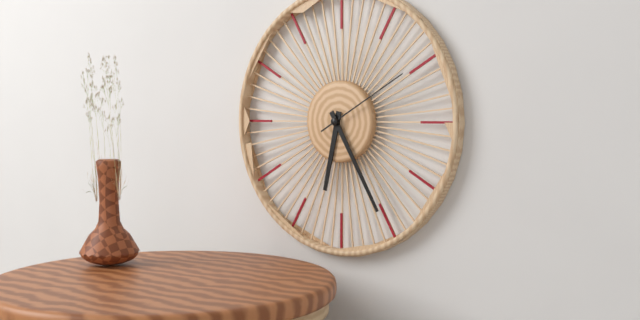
h=6 m=25 s=10
